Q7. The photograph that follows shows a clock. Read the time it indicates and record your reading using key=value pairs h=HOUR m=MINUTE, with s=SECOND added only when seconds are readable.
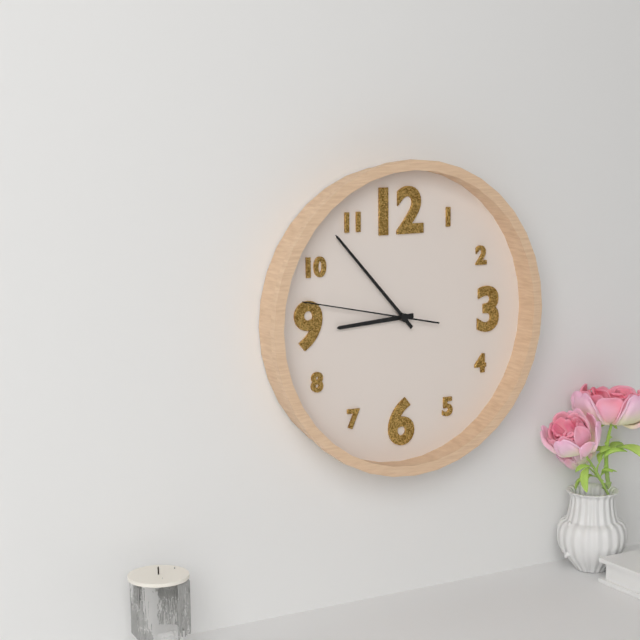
h=8 m=53 s=47
